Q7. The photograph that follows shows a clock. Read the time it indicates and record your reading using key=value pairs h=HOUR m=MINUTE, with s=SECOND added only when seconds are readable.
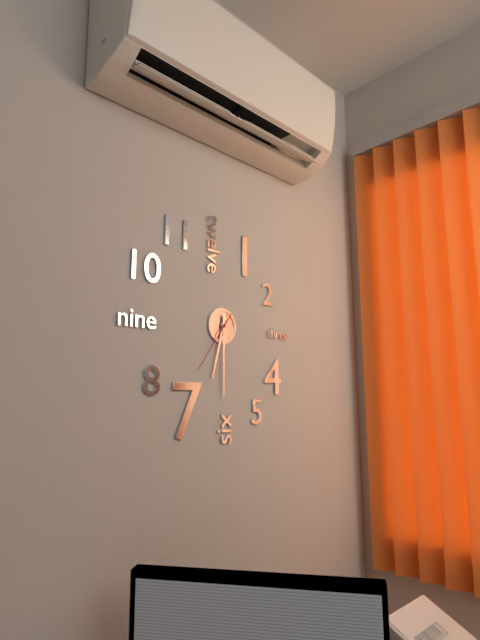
h=6 m=30 s=36
